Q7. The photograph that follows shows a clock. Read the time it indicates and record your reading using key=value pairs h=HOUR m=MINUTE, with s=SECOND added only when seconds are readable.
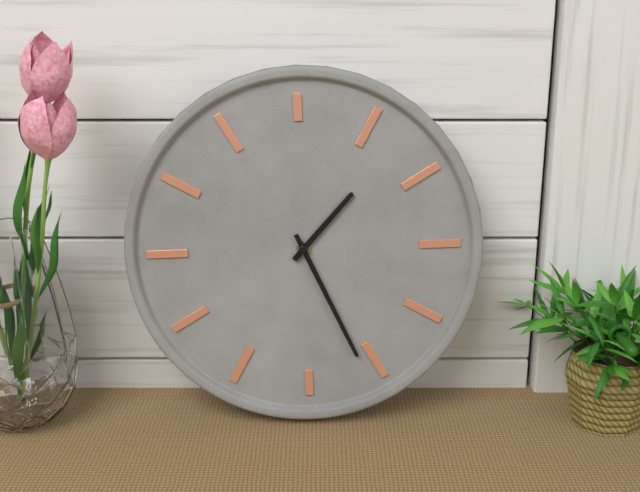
h=1 m=26
